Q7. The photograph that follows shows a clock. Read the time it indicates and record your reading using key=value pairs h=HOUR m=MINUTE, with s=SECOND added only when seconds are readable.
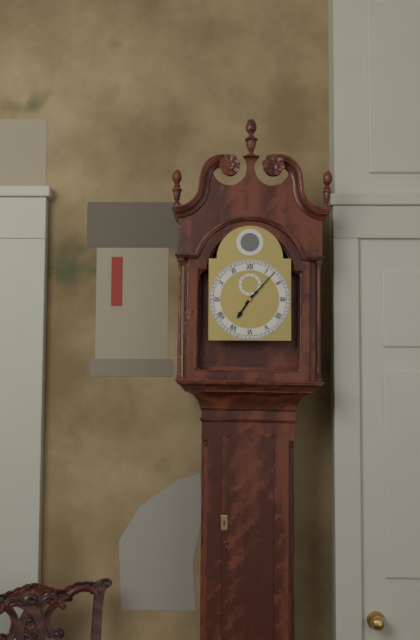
h=7 m=7
